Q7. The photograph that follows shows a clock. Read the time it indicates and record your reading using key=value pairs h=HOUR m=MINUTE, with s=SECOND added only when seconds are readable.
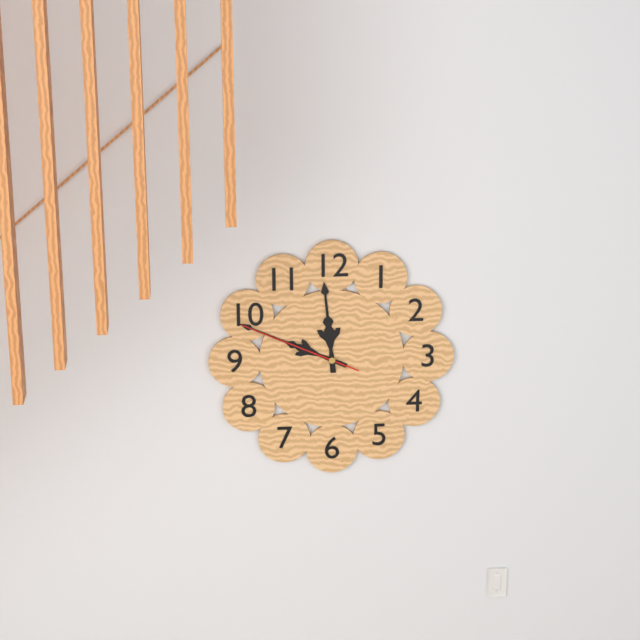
h=11 m=49 s=49
